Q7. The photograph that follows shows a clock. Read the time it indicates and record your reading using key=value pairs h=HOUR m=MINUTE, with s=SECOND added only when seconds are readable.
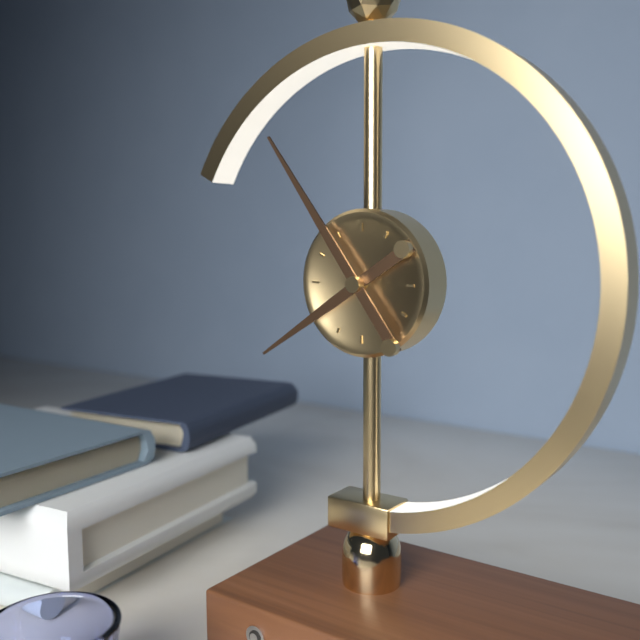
h=7 m=54
